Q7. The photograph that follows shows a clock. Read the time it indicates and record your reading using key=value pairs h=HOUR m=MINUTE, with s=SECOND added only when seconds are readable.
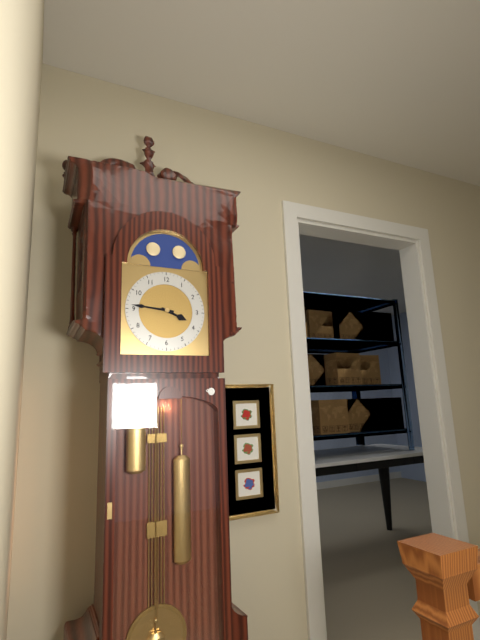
h=3 m=46
